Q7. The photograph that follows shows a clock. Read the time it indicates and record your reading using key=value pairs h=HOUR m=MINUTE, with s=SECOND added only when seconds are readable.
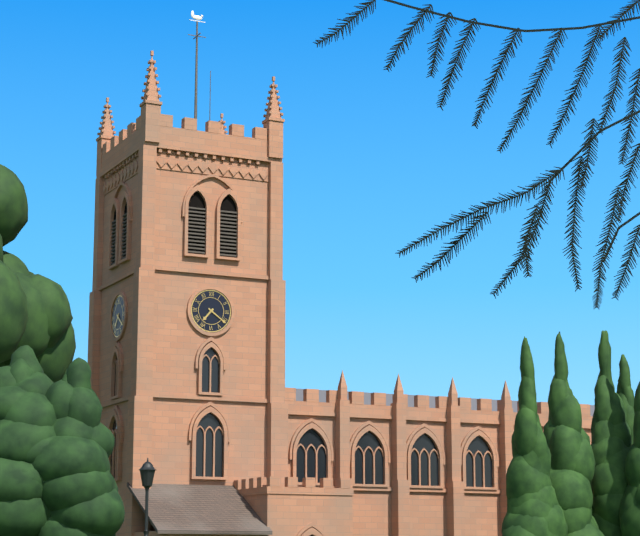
h=7 m=21
